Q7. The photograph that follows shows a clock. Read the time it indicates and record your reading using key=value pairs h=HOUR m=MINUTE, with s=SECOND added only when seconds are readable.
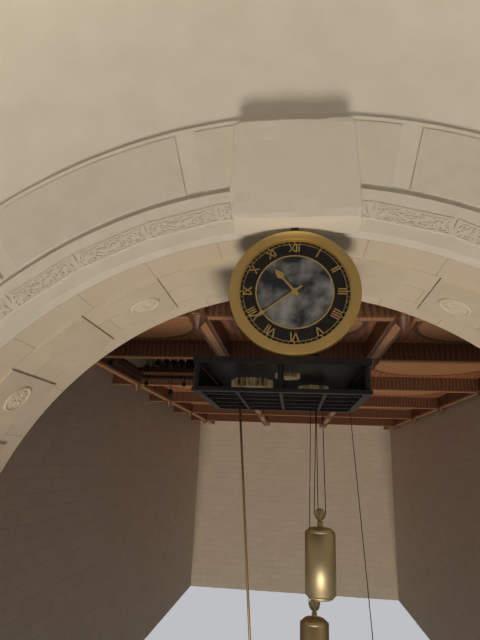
h=10 m=39
